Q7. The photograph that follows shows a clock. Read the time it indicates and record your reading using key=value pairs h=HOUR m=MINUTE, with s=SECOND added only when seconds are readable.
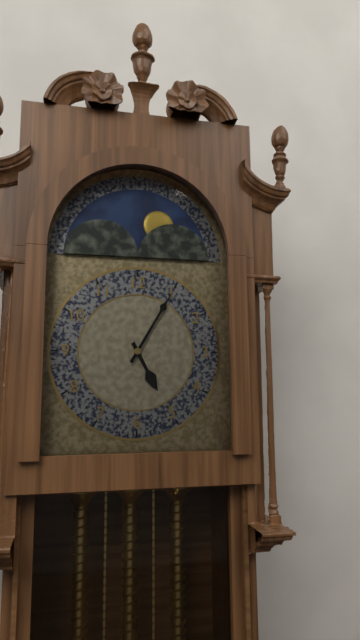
h=5 m=5
